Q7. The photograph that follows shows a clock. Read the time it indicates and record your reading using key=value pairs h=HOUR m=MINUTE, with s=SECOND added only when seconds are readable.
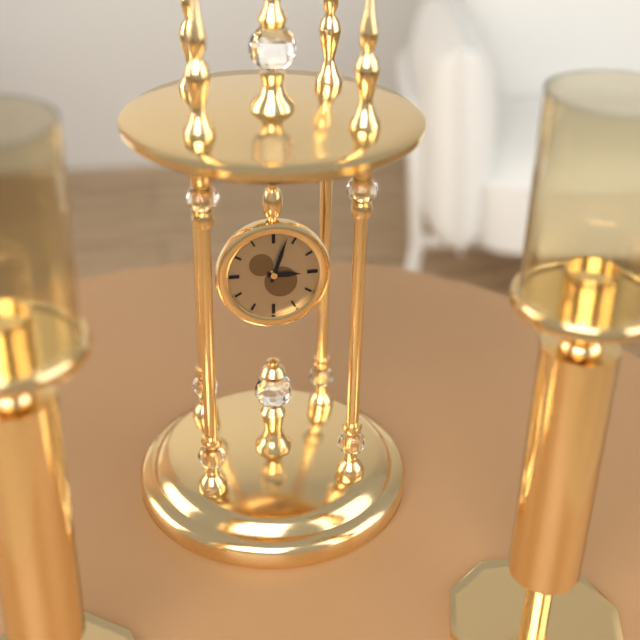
h=3 m=3
